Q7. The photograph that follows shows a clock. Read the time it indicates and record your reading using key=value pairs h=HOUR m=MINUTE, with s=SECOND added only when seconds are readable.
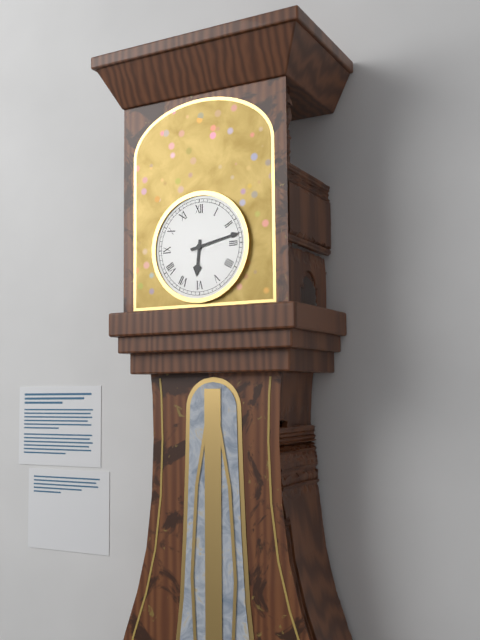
h=6 m=13
